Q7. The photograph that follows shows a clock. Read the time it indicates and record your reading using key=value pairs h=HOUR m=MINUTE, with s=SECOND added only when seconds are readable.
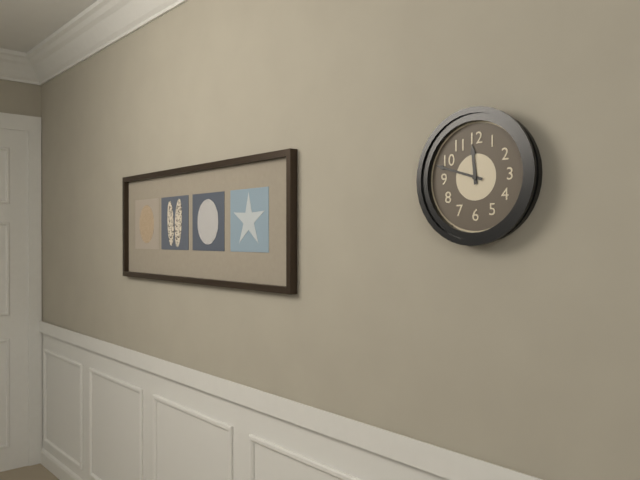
h=11 m=48
